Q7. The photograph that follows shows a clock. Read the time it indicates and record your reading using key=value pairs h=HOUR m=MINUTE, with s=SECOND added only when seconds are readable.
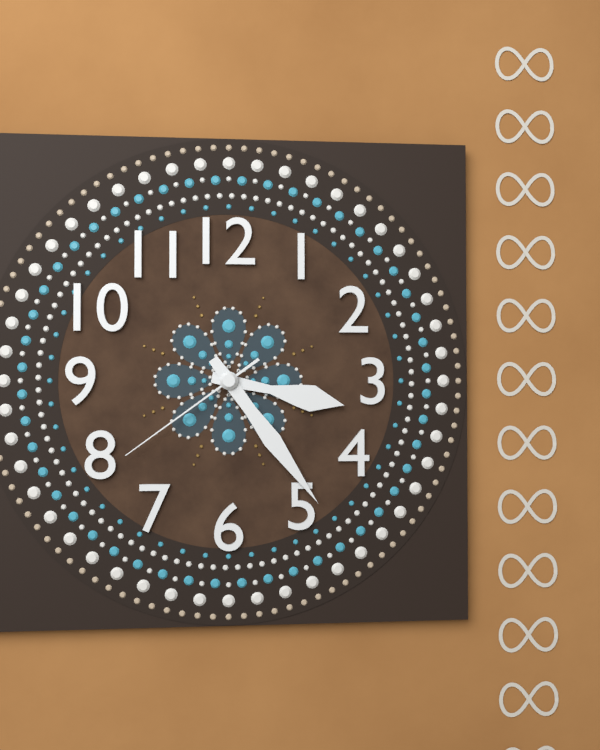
h=3 m=24 s=39
